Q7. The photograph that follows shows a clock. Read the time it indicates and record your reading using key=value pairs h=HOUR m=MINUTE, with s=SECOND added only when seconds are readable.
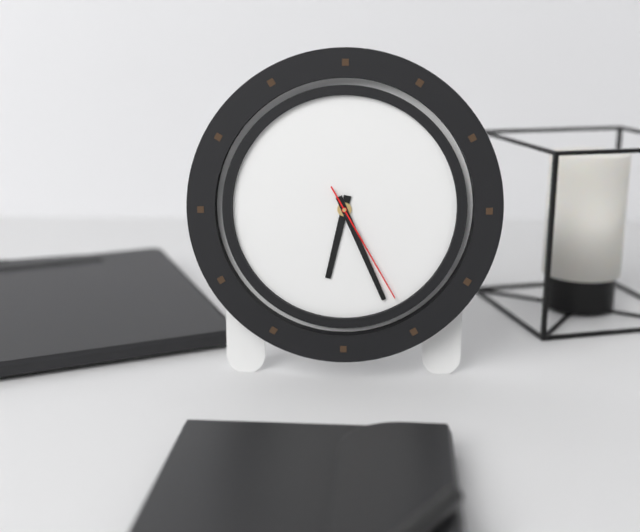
h=6 m=26 s=25
